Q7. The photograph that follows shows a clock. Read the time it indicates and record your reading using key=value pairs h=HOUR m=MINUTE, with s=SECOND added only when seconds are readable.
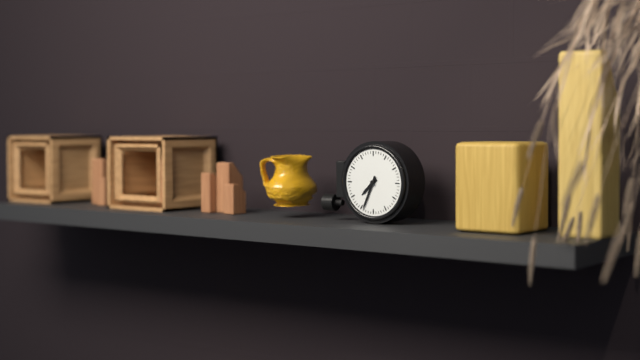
h=7 m=34
